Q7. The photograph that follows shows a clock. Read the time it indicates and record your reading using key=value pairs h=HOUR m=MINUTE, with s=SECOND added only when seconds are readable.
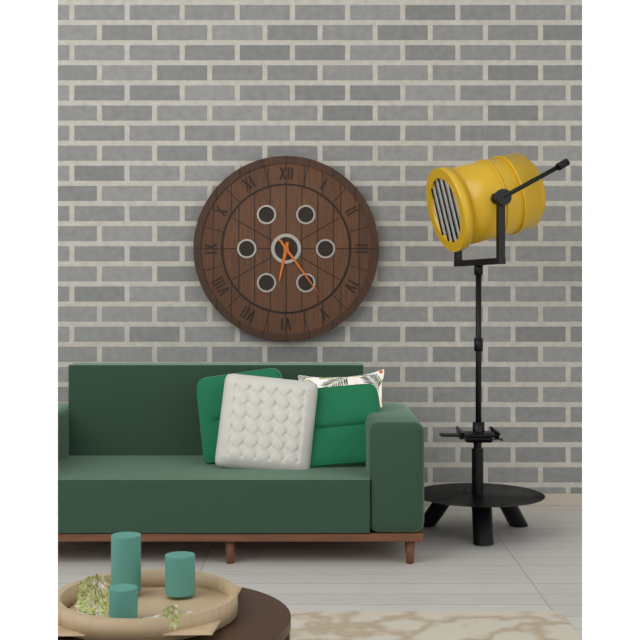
h=6 m=24
